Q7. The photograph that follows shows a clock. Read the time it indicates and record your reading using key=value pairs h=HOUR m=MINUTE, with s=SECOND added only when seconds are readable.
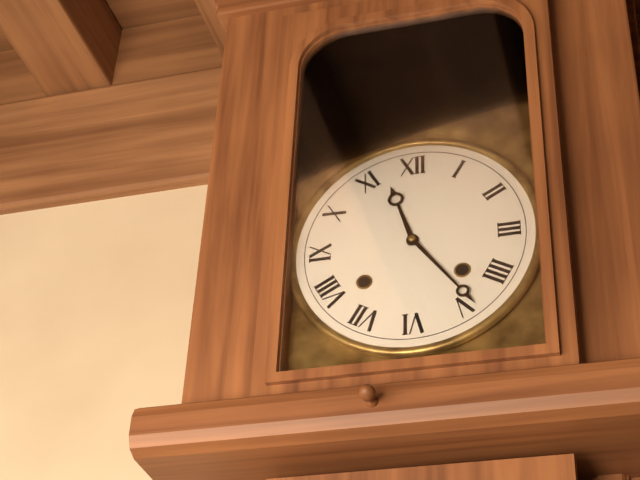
h=11 m=24
